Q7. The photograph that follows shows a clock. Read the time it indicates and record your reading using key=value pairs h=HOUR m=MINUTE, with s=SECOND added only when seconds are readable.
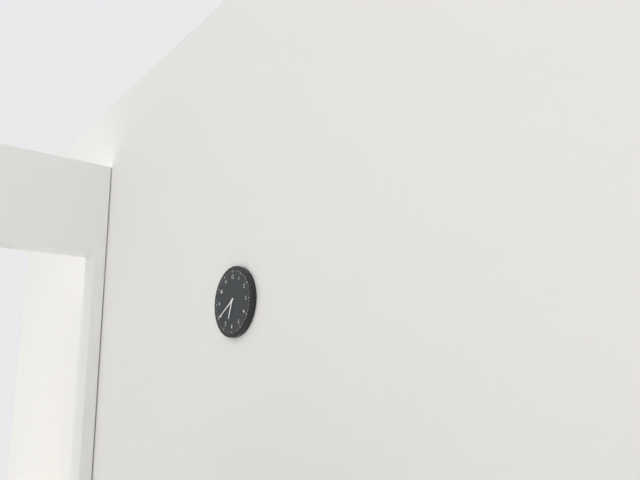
h=6 m=40
